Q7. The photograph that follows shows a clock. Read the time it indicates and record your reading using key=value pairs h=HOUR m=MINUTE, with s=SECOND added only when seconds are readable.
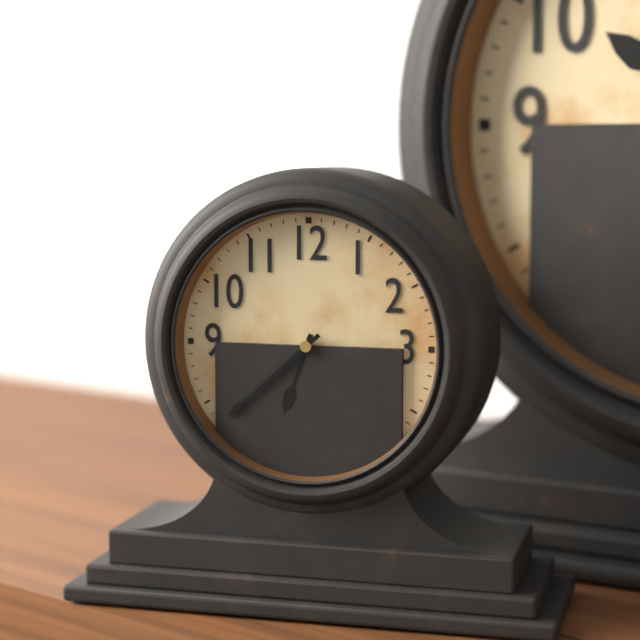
h=6 m=38
